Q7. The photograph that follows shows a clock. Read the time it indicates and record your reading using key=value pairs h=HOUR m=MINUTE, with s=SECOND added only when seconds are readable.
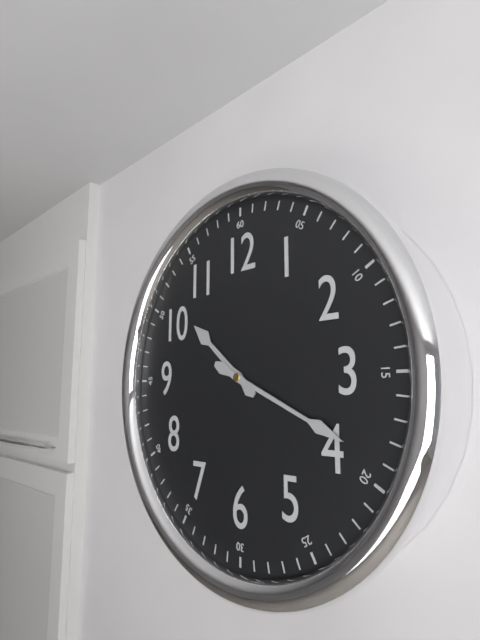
h=10 m=19
